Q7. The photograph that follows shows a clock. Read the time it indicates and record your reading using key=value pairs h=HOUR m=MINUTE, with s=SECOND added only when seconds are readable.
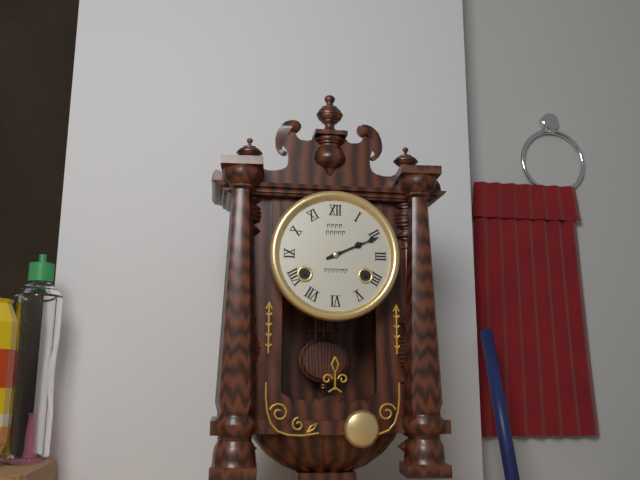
h=2 m=11
